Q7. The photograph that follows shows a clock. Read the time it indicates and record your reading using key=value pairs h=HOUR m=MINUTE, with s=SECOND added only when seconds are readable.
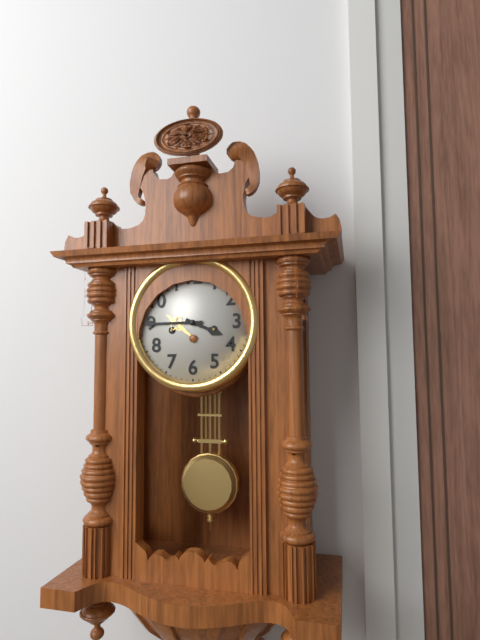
h=3 m=45
